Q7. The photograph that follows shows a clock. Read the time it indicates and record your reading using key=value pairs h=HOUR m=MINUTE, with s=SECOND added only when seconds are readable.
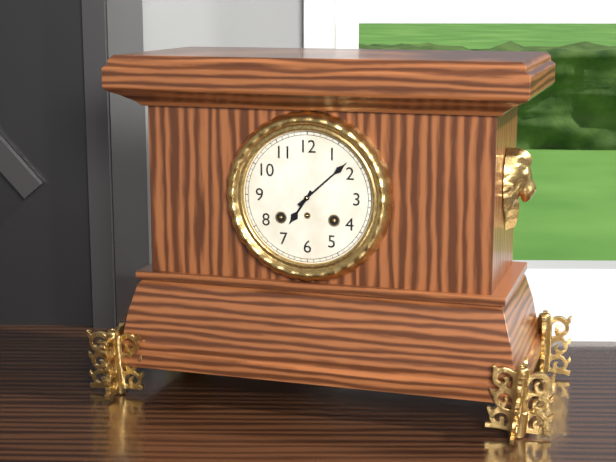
h=7 m=8
